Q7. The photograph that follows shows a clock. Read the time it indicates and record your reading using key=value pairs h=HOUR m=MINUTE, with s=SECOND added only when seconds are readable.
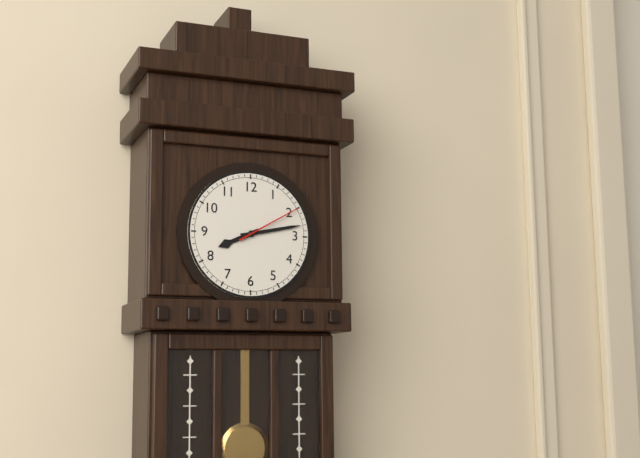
h=8 m=13 s=10
